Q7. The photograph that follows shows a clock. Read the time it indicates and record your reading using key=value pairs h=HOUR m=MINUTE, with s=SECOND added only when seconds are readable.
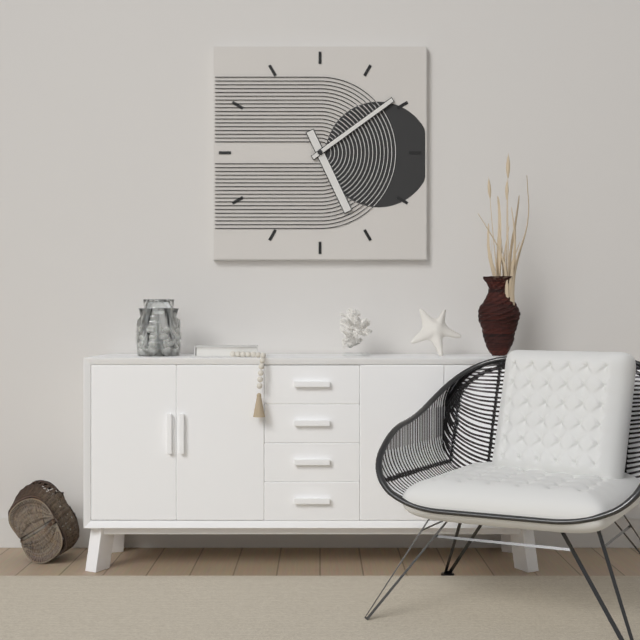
h=5 m=9
